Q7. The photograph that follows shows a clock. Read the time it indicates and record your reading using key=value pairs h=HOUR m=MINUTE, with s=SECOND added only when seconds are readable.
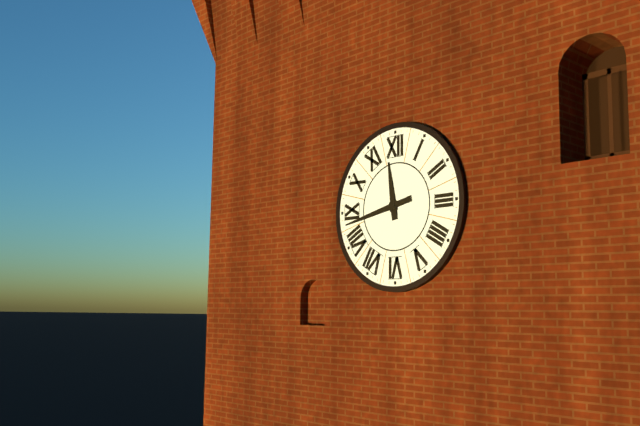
h=11 m=43
